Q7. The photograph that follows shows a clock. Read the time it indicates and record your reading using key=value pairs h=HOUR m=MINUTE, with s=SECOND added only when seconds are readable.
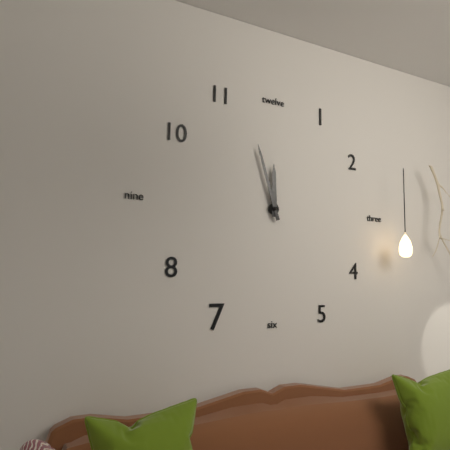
h=11 m=57
